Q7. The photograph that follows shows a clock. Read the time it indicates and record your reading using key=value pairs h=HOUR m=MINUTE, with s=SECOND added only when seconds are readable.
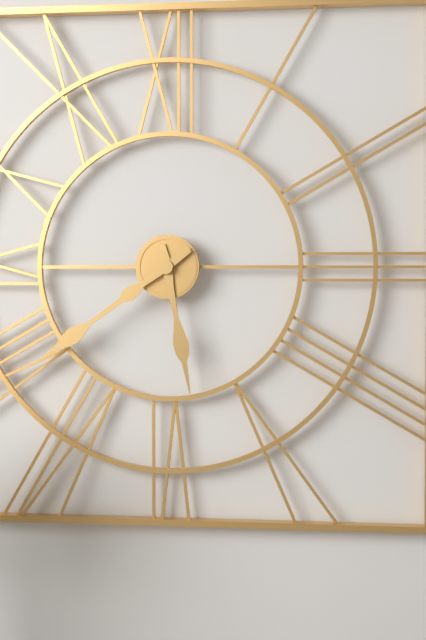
h=5 m=39
